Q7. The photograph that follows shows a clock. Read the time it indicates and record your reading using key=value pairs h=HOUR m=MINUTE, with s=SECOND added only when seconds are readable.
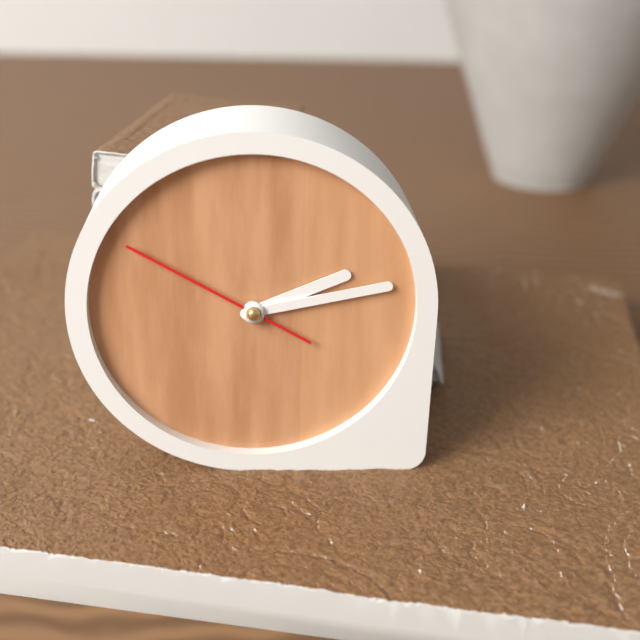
h=2 m=13 s=50
